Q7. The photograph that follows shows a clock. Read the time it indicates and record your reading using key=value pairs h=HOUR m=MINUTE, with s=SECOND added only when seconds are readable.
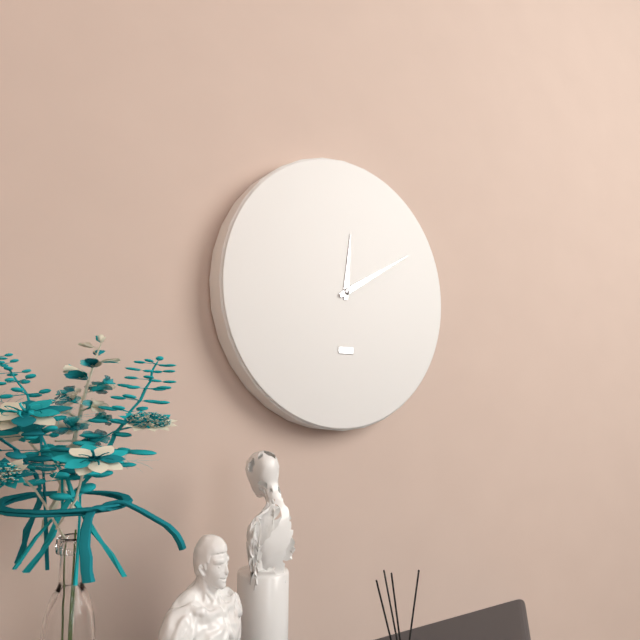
h=12 m=10
